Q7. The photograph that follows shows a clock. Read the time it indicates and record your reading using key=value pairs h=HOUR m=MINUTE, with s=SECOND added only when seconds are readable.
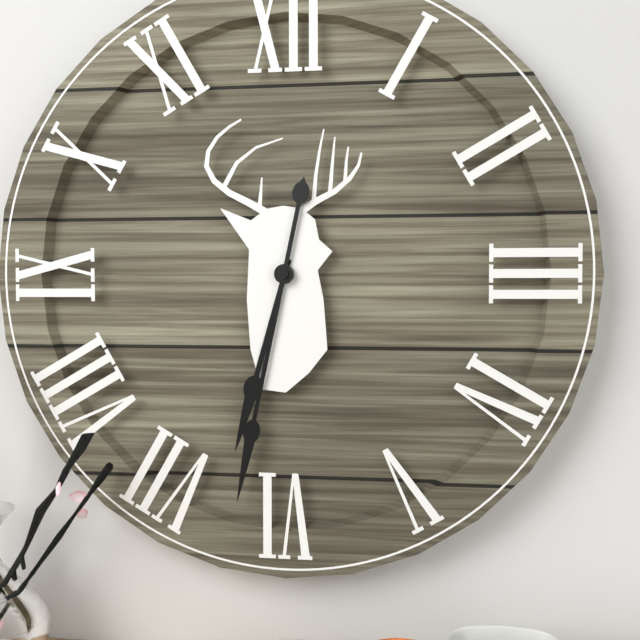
h=6 m=32
